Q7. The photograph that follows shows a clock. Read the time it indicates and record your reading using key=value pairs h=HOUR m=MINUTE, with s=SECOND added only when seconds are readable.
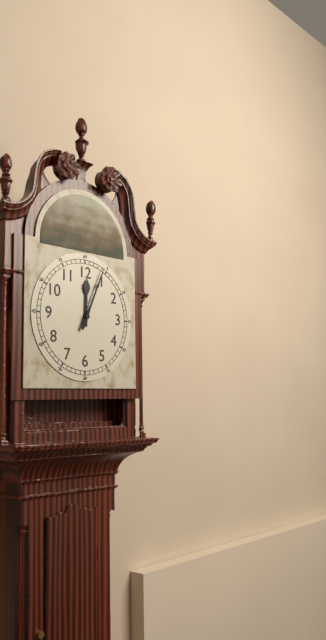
h=12 m=4
